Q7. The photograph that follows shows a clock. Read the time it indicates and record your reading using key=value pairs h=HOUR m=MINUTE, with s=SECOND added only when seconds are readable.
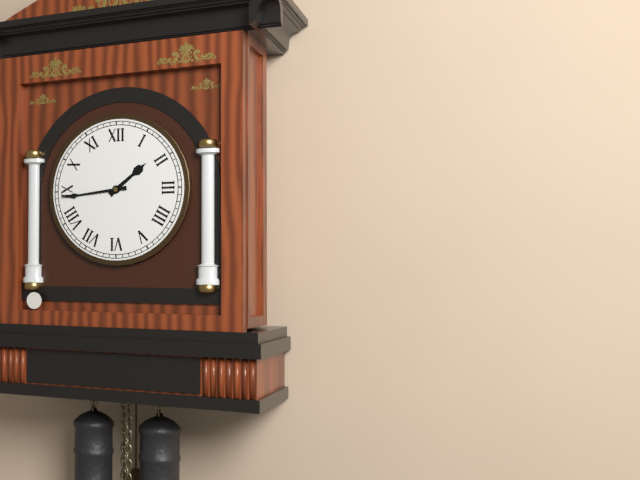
h=1 m=44
